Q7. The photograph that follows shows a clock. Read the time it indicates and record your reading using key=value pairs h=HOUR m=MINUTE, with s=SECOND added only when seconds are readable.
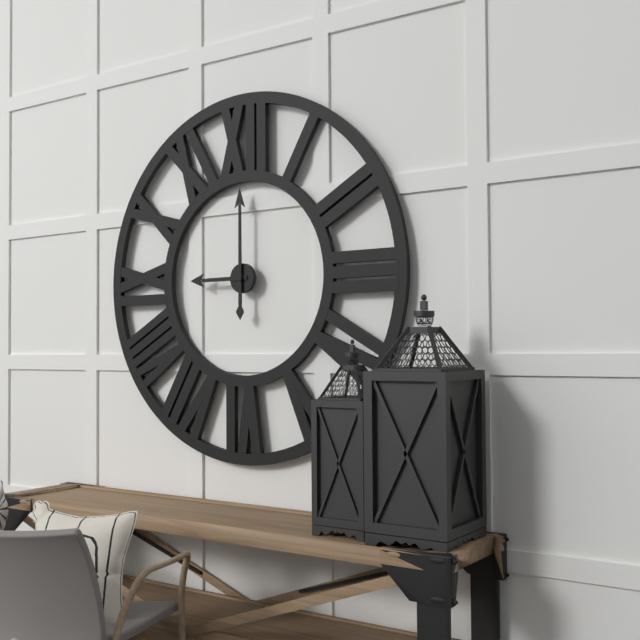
h=9 m=0
